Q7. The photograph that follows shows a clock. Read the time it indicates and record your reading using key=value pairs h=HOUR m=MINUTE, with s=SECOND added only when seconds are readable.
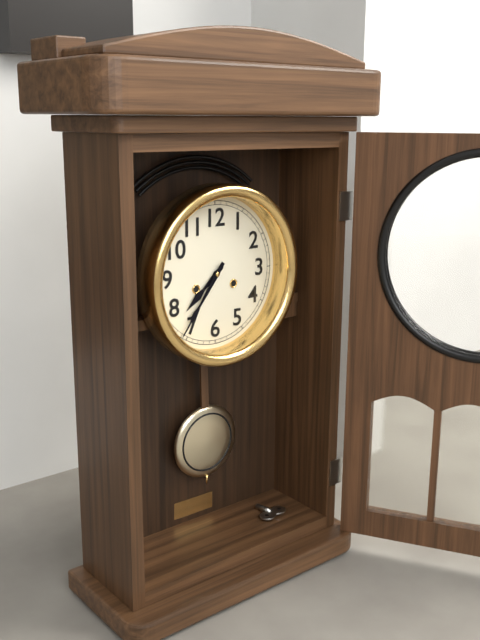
h=7 m=36
